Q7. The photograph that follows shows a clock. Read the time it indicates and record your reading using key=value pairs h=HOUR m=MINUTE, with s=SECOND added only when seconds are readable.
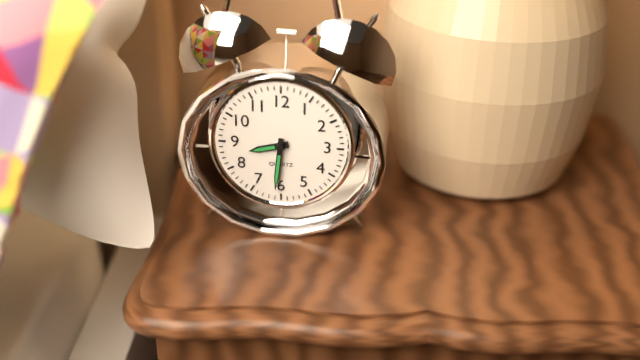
h=8 m=31
